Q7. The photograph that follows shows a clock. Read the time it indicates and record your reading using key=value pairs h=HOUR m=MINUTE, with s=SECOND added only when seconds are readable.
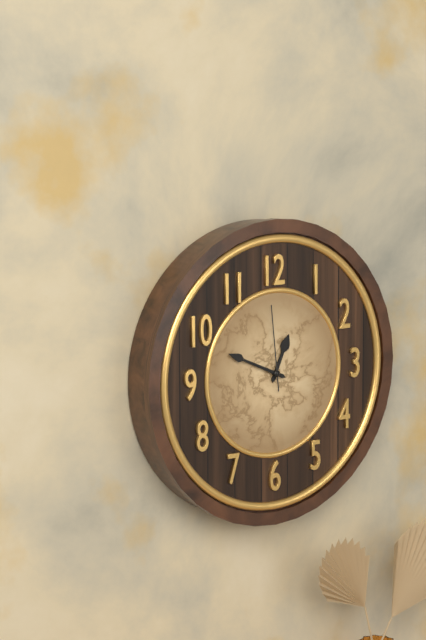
h=12 m=49 s=59
